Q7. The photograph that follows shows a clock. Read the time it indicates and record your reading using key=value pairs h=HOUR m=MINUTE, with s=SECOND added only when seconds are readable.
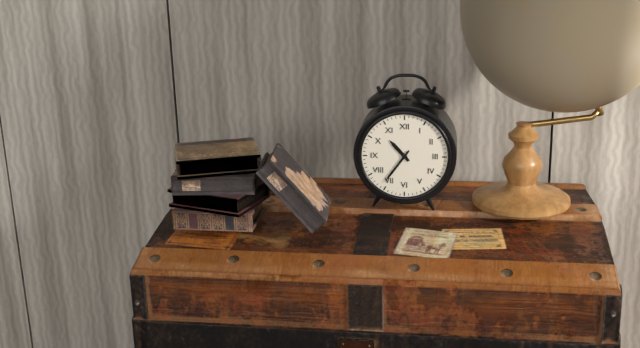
h=10 m=36
